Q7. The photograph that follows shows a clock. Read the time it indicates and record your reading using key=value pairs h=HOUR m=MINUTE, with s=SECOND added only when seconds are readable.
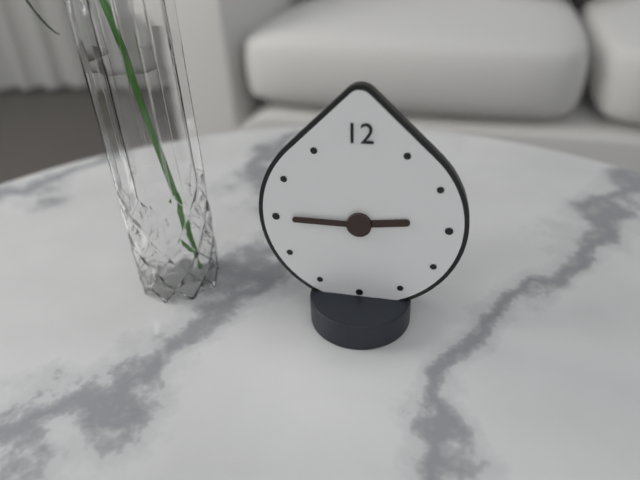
h=2 m=45
